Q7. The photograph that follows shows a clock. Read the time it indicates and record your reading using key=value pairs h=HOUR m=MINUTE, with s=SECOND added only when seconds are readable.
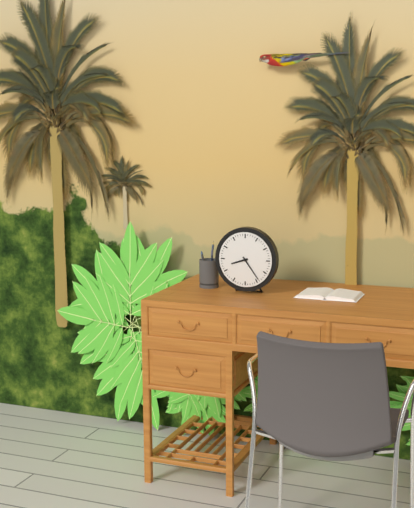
h=8 m=24
